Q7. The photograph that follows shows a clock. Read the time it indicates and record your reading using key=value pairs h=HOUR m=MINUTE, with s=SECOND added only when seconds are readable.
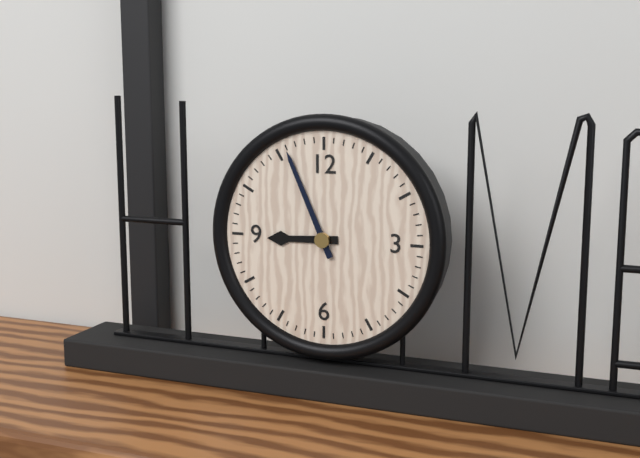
h=8 m=56
